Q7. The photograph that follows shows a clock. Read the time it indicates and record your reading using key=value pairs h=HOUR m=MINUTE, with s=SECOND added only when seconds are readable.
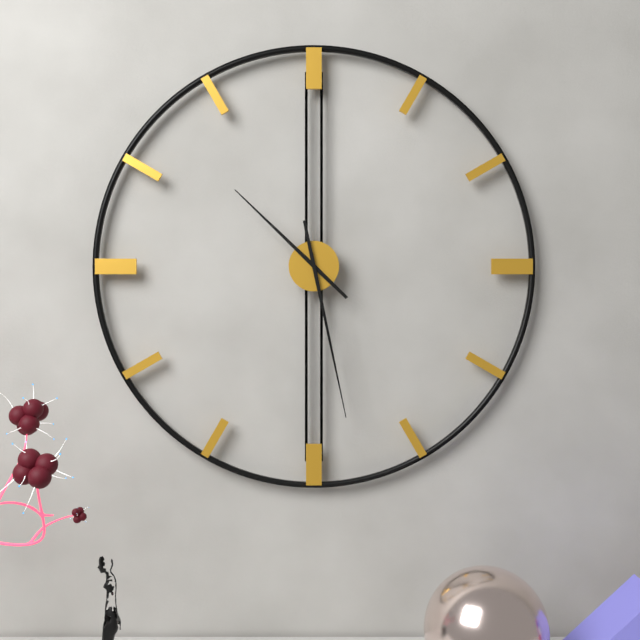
h=10 m=28
